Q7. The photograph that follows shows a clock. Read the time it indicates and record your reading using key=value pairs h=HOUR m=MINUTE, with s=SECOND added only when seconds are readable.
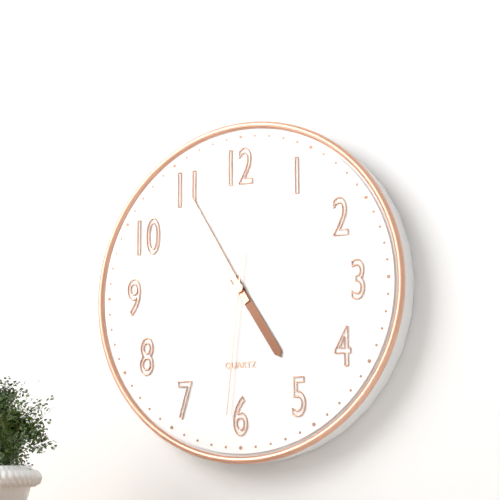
h=4 m=55 s=31
